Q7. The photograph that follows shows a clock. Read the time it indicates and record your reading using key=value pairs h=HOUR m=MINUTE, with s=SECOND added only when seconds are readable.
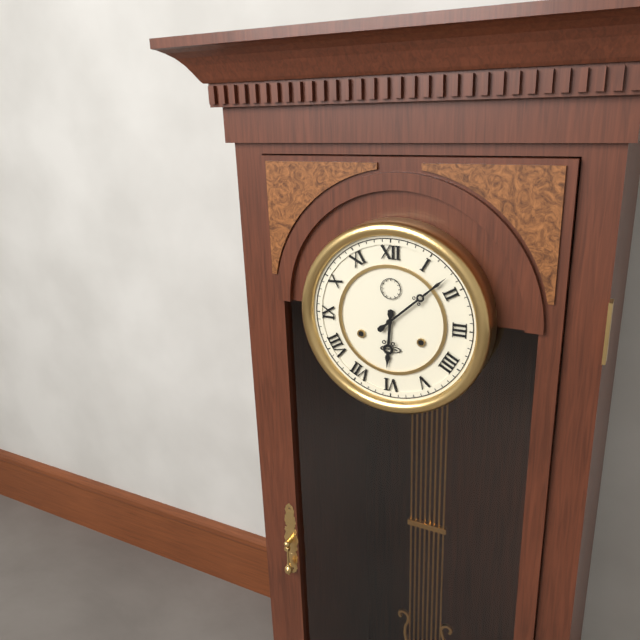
h=6 m=8
